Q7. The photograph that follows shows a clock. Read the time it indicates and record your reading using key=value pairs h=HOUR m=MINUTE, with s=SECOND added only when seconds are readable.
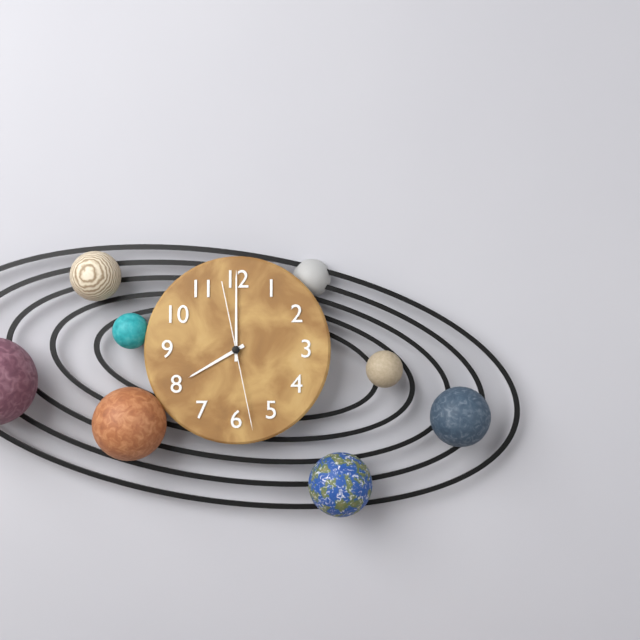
h=8 m=0 s=28
